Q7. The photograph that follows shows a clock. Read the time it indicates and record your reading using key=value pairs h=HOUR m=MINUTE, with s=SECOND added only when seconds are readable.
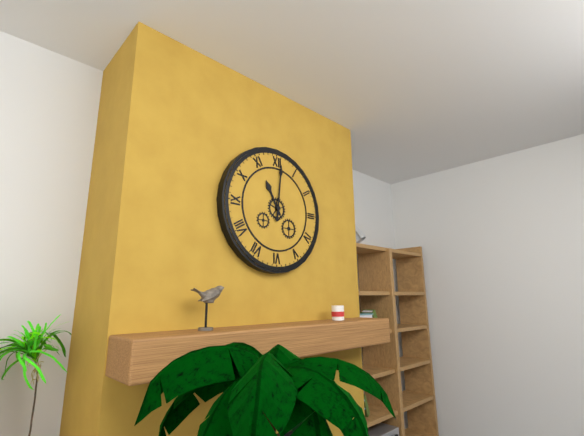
h=11 m=1
